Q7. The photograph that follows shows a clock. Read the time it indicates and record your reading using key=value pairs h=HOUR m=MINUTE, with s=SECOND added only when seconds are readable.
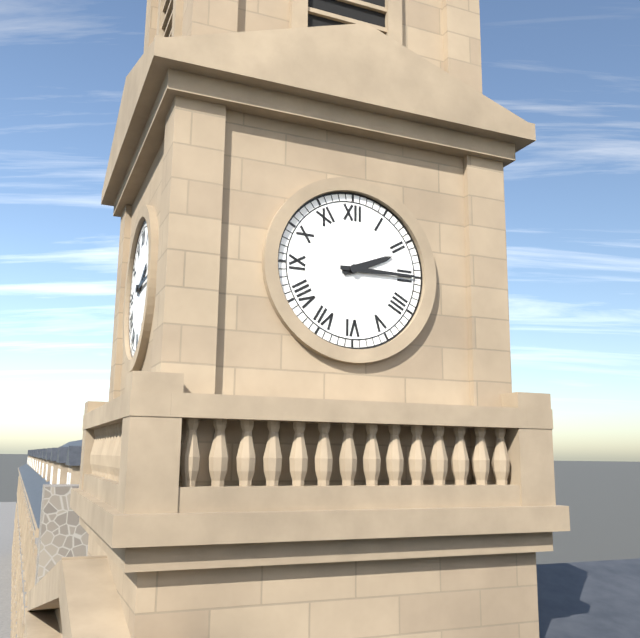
h=2 m=15
